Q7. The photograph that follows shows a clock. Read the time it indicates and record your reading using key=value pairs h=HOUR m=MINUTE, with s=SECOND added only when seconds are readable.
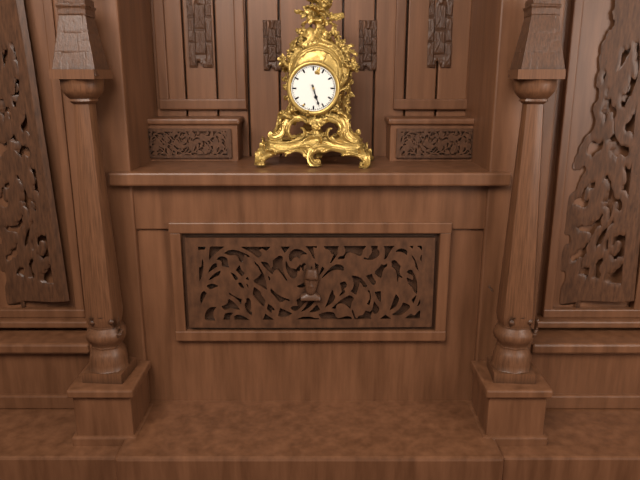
h=5 m=27
